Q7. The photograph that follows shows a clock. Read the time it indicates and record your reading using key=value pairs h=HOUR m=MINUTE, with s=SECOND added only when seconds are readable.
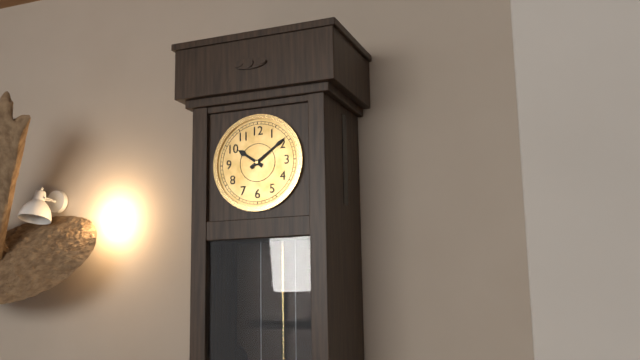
h=10 m=9
